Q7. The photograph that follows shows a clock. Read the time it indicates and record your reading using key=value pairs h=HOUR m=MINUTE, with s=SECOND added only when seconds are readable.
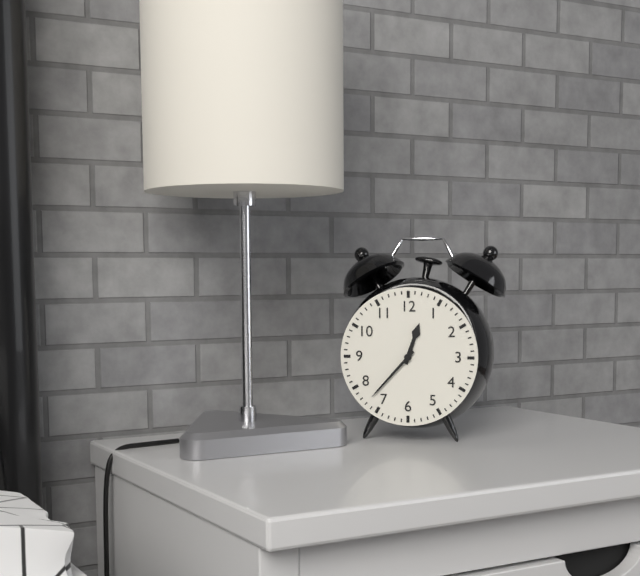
h=12 m=37
